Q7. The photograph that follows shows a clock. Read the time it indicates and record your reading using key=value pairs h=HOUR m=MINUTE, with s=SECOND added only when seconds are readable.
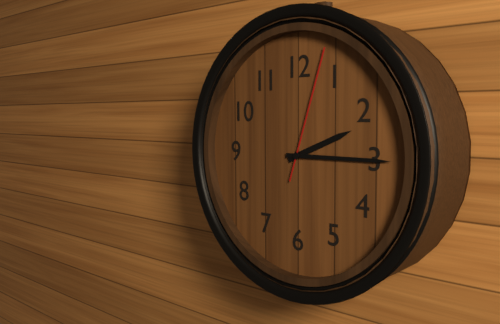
h=2 m=15 s=3
